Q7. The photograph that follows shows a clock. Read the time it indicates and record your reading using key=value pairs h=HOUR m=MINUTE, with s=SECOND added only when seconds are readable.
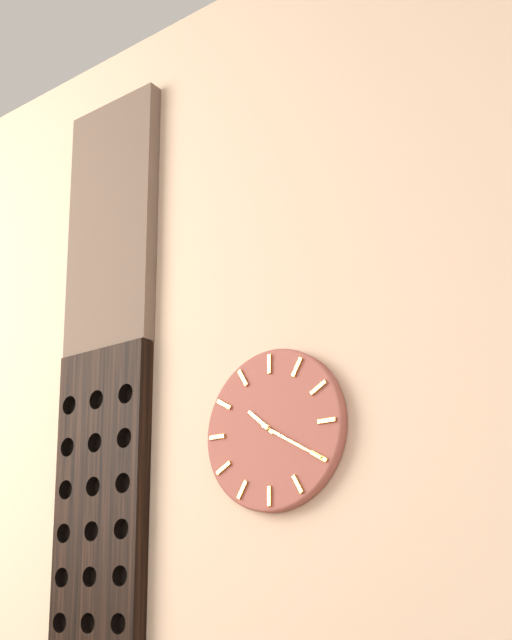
h=10 m=20
